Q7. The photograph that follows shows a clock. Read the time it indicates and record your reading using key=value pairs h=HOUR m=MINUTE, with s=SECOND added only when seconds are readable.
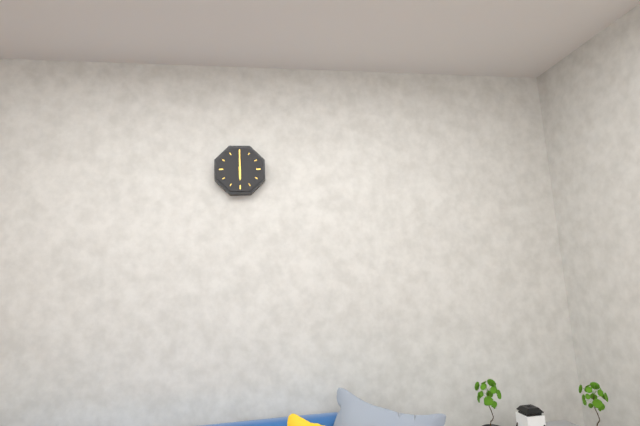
h=6 m=0
